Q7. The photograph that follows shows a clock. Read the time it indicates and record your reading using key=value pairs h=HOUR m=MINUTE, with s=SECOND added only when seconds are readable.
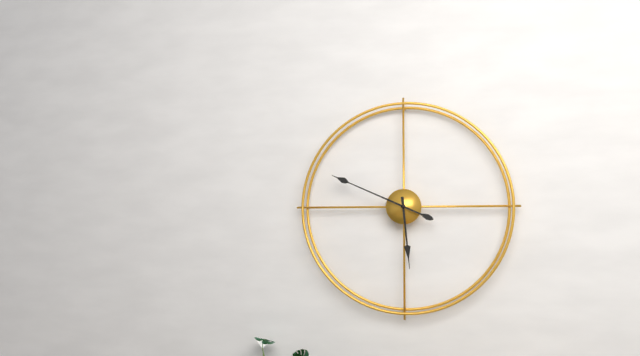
h=5 m=49
